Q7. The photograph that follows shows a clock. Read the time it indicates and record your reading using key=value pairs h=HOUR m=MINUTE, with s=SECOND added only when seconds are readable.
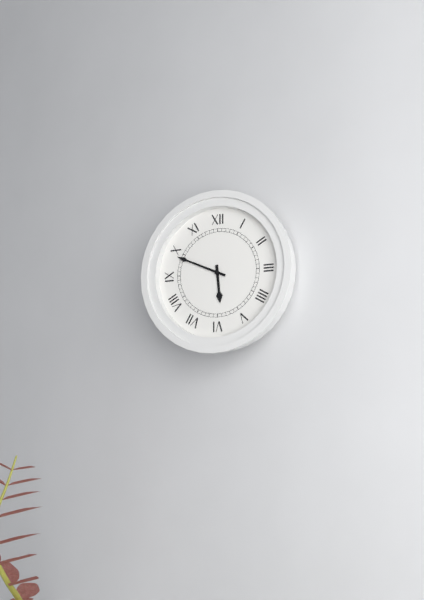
h=5 m=49
